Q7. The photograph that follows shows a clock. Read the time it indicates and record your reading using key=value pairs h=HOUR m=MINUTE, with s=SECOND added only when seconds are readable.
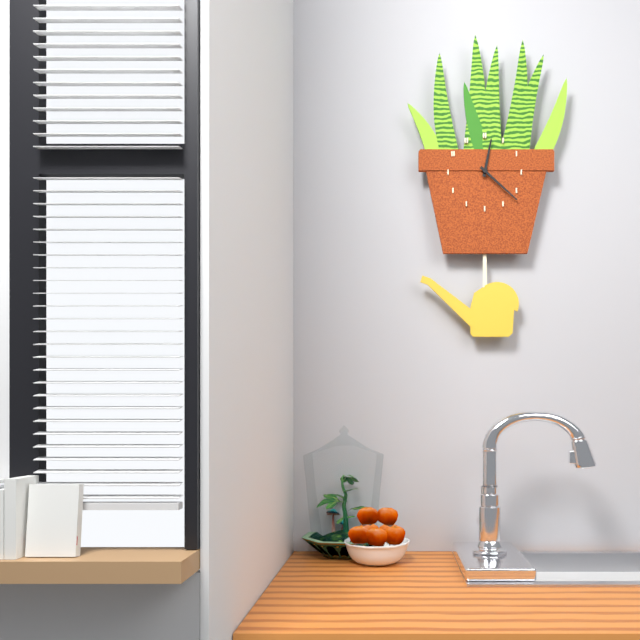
h=12 m=22
